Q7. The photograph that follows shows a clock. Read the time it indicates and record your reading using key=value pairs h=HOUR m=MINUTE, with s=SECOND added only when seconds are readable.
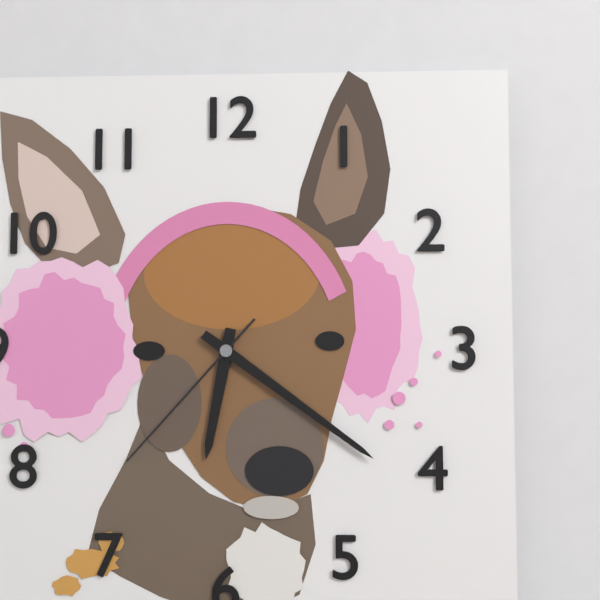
h=6 m=21 s=37
